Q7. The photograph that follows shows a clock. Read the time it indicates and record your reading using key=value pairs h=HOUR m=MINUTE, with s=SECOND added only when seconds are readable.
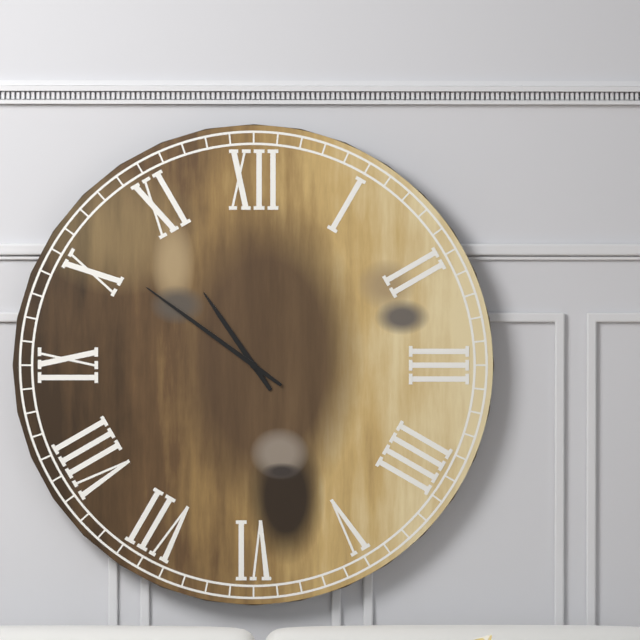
h=10 m=51
